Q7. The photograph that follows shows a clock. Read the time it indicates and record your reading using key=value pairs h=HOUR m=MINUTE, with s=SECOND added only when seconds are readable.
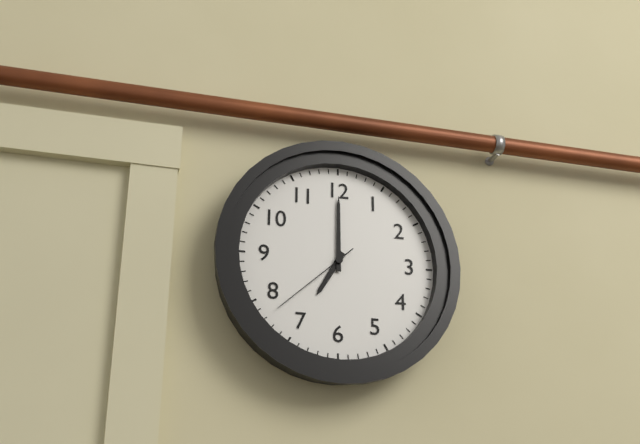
h=7 m=0 s=38
